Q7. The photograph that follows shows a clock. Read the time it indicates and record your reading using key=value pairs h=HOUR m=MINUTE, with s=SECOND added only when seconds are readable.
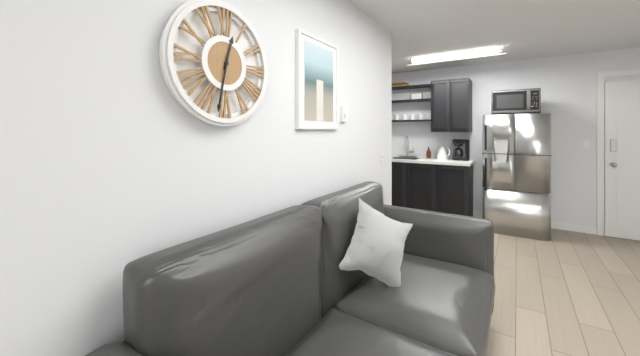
h=12 m=32
